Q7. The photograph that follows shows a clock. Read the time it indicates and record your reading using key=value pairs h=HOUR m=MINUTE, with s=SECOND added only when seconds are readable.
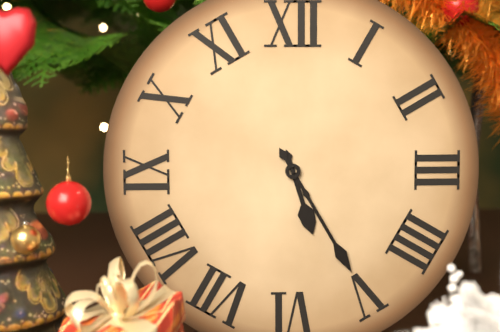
h=5 m=25
